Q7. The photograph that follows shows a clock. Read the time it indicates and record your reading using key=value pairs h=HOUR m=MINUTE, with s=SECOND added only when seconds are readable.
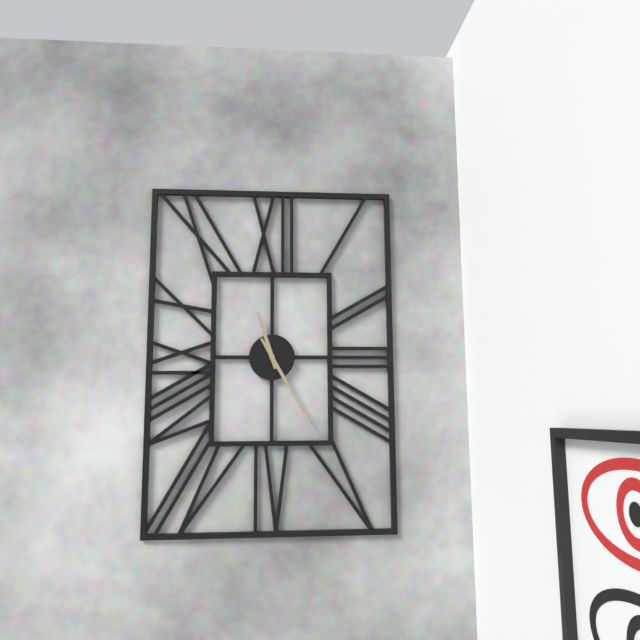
h=11 m=25
